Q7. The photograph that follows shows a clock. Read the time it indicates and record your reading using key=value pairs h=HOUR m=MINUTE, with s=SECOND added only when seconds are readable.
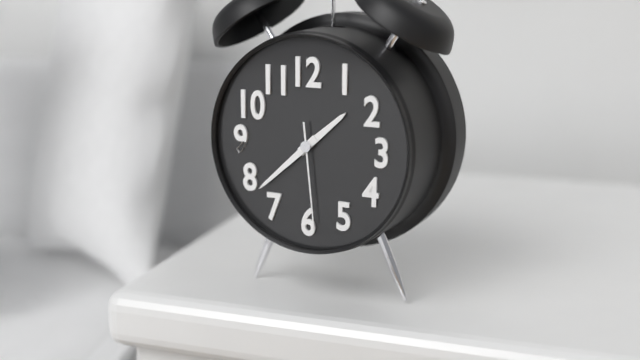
h=1 m=38 s=29
